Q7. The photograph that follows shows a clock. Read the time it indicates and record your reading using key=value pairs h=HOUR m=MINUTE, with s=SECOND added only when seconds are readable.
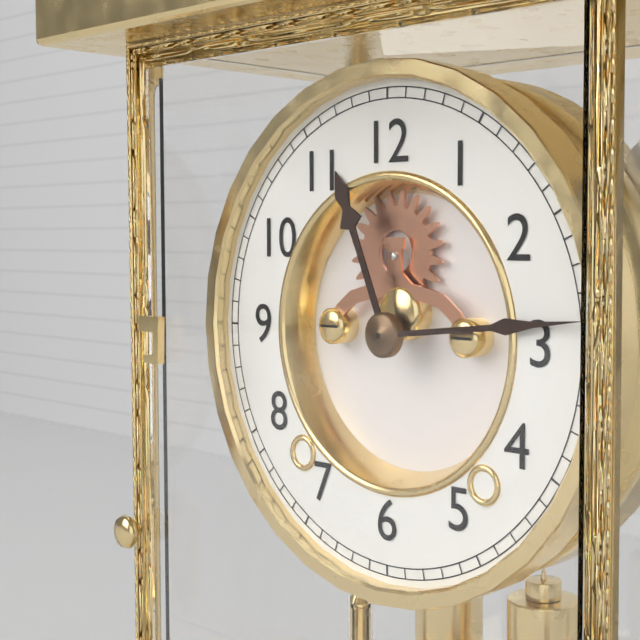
h=11 m=14
